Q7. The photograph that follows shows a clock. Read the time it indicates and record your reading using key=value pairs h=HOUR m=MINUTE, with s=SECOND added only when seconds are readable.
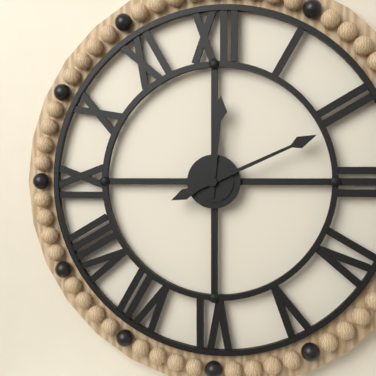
h=12 m=11
